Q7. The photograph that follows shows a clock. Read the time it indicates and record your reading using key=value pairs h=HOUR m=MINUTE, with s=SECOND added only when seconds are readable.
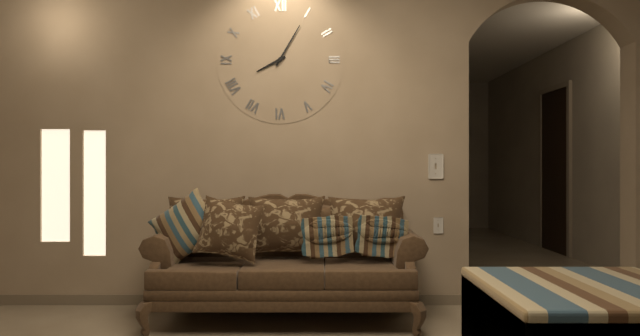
h=8 m=5
